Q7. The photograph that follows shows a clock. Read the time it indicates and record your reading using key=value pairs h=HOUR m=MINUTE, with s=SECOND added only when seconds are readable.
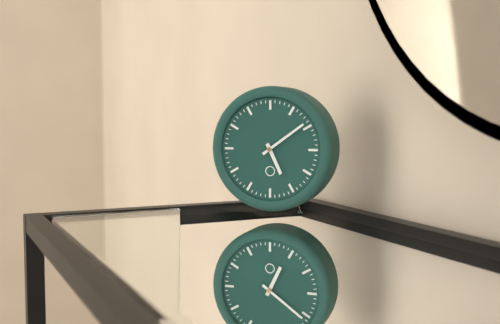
h=5 m=9
